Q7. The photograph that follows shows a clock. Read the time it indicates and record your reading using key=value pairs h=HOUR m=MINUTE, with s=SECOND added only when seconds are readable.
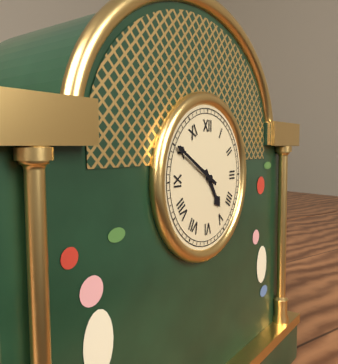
h=4 m=50
